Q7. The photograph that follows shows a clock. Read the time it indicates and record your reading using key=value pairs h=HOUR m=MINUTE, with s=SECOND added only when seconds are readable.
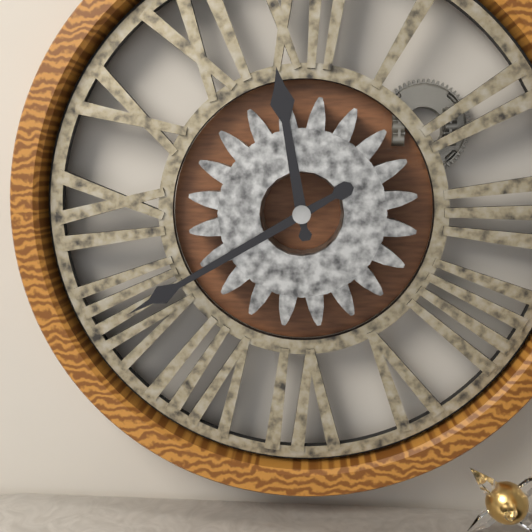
h=11 m=40
